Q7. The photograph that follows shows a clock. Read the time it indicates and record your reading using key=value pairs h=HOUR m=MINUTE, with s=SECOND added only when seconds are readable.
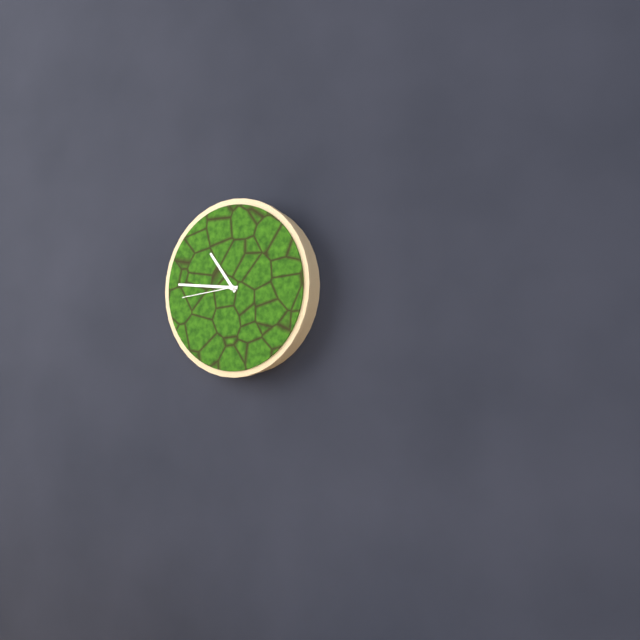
h=10 m=46 s=44
